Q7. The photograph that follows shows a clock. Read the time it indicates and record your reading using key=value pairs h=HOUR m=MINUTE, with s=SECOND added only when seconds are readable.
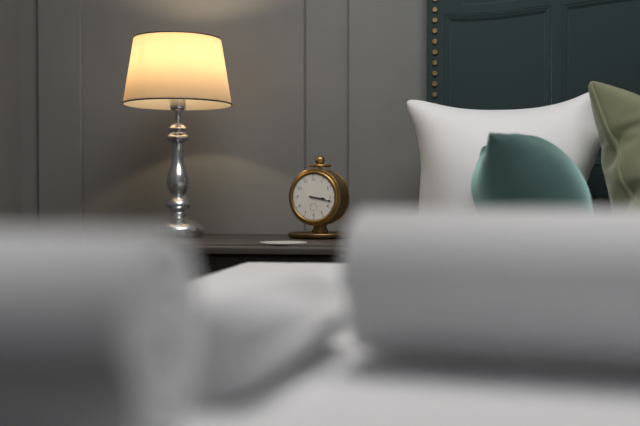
h=3 m=17
